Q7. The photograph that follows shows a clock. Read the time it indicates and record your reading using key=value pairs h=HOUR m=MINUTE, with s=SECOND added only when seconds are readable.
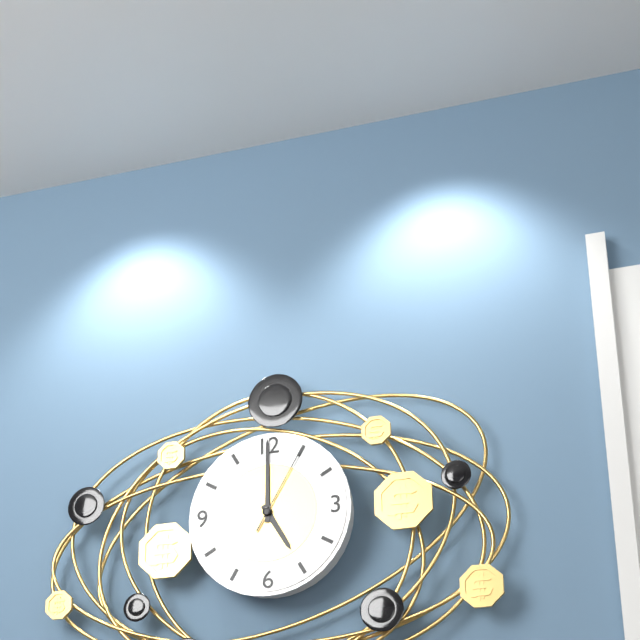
h=5 m=0 s=5
